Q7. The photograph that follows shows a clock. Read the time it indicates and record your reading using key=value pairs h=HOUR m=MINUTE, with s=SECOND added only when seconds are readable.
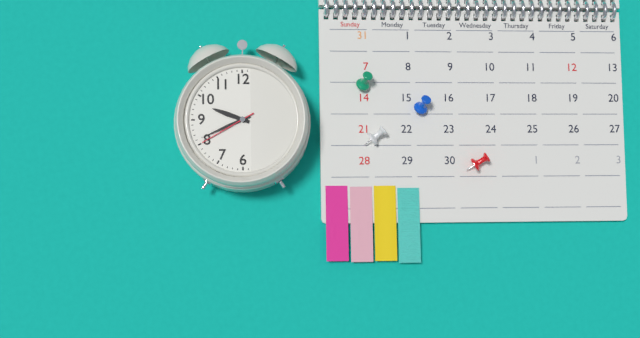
h=9 m=41 s=40
